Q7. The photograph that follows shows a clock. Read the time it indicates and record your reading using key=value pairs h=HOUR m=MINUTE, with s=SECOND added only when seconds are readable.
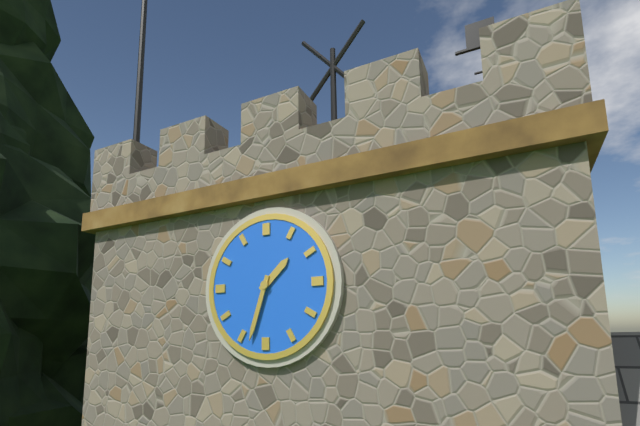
h=1 m=33
